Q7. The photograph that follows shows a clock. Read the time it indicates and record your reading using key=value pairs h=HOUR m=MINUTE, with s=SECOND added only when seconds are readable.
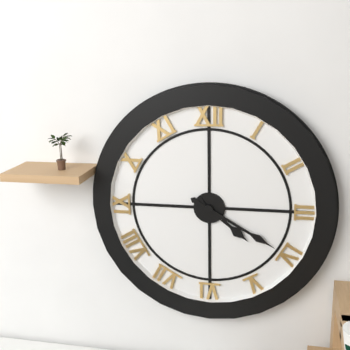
h=4 m=20
